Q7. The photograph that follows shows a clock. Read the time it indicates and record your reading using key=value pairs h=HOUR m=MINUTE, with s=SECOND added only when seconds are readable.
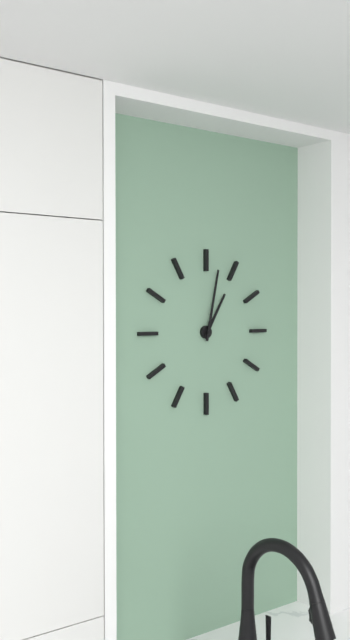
h=1 m=2
